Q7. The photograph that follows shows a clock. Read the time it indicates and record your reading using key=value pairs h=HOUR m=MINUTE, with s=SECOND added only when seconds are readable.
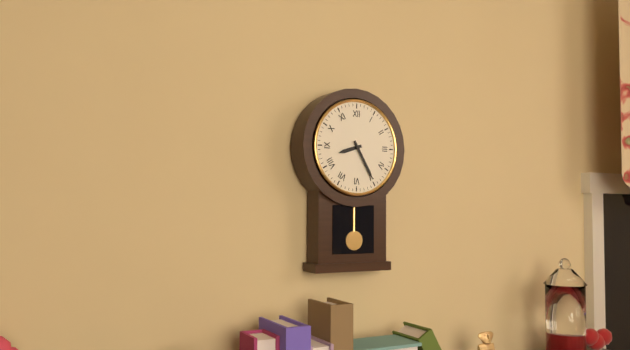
h=8 m=25
